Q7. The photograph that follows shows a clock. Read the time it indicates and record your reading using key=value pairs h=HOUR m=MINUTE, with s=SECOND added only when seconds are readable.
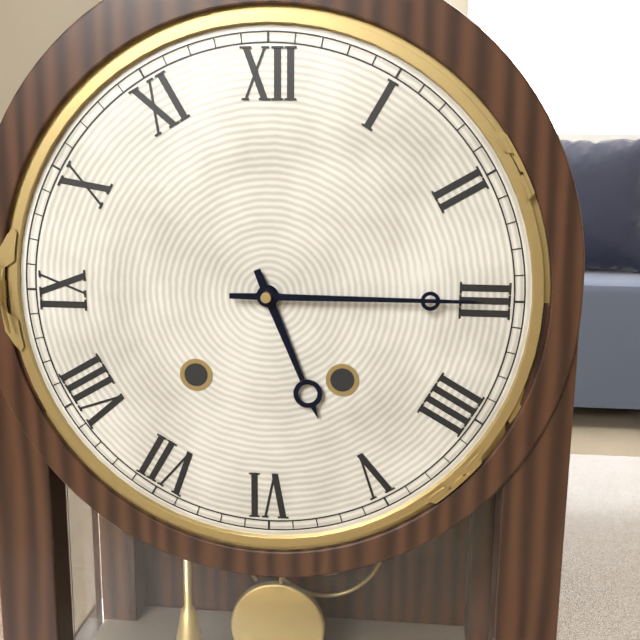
h=5 m=15
